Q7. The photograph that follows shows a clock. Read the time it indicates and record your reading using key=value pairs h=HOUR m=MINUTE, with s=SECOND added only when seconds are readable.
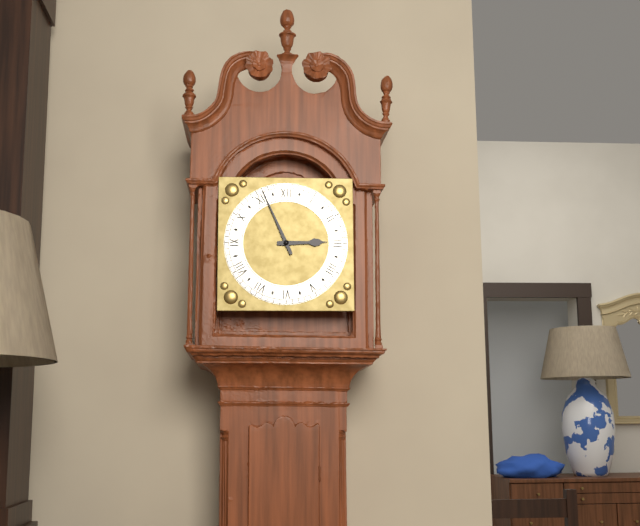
h=2 m=56
